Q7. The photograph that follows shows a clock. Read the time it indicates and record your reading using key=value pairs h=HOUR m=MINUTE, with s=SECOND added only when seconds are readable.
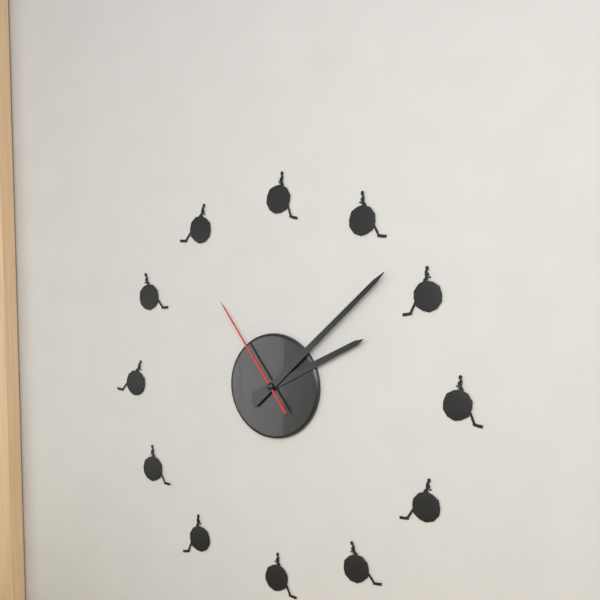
h=2 m=8 s=54
